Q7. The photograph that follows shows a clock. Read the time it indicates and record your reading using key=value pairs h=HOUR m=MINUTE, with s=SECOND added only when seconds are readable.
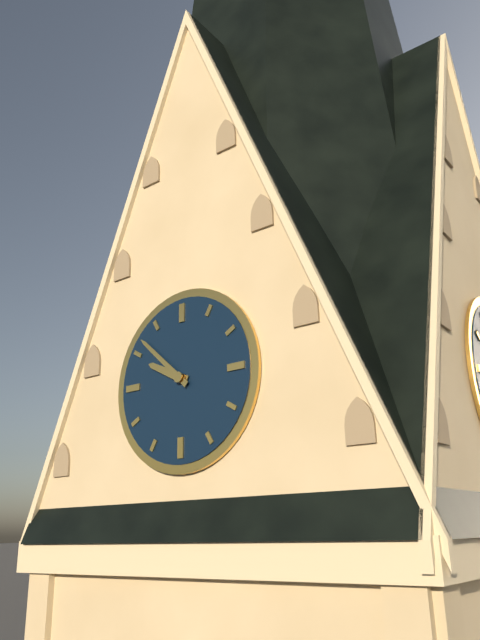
h=9 m=52
